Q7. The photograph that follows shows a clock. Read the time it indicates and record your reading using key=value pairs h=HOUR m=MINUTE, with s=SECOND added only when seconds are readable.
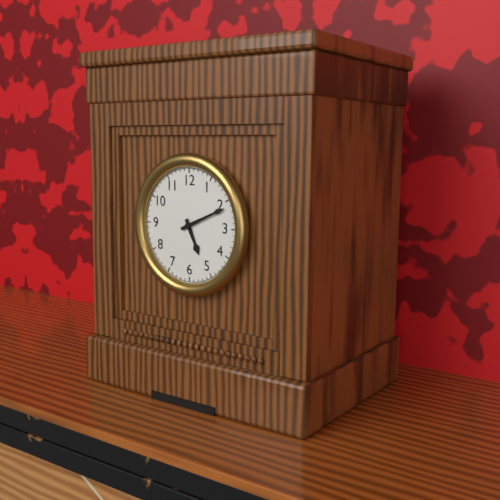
h=5 m=11
